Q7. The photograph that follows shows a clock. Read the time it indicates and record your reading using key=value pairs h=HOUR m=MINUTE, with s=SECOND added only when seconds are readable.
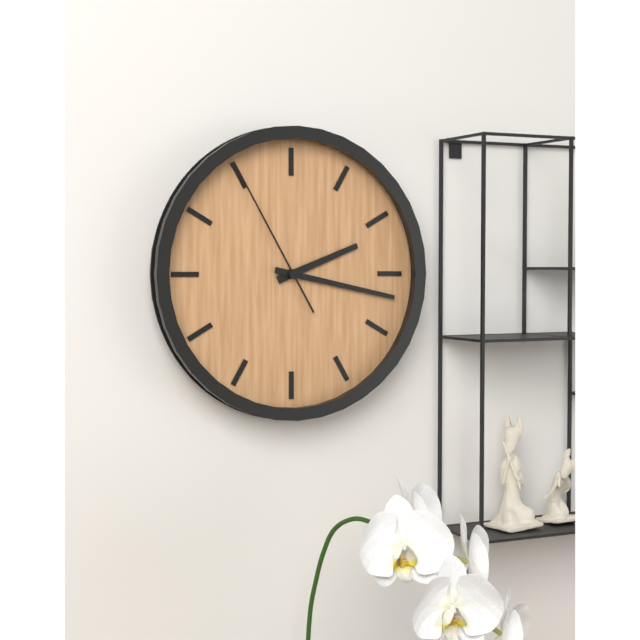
h=2 m=17 s=55
